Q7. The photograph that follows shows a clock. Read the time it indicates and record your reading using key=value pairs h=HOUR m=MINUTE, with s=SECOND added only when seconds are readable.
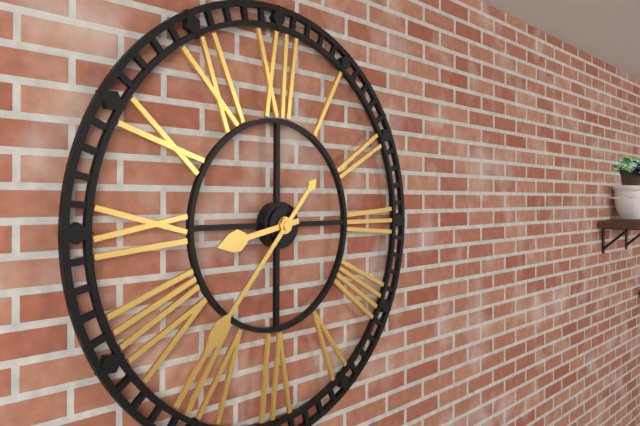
h=8 m=37
